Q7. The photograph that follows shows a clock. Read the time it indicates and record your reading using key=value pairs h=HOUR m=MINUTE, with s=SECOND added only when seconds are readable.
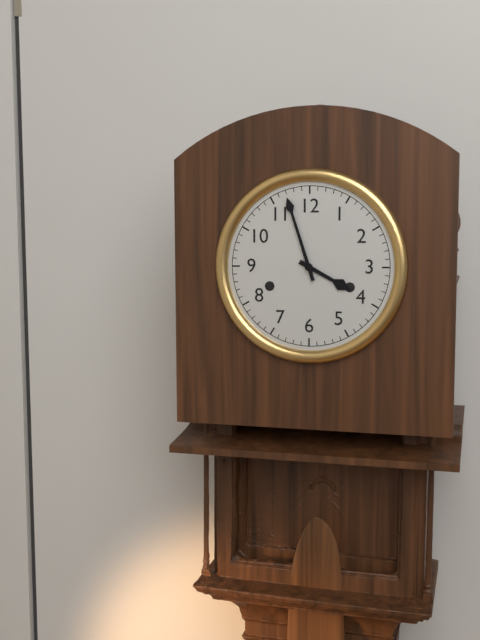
h=3 m=57
